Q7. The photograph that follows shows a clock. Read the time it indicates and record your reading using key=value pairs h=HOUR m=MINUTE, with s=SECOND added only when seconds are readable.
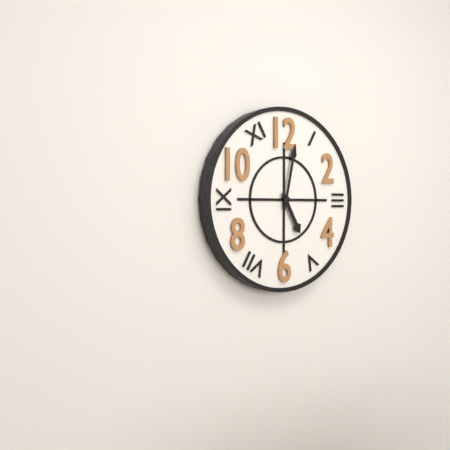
h=5 m=2
